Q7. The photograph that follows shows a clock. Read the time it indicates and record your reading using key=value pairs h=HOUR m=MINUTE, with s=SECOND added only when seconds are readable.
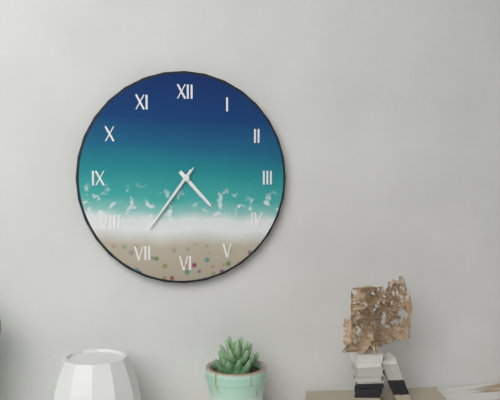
h=4 m=36 s=36
